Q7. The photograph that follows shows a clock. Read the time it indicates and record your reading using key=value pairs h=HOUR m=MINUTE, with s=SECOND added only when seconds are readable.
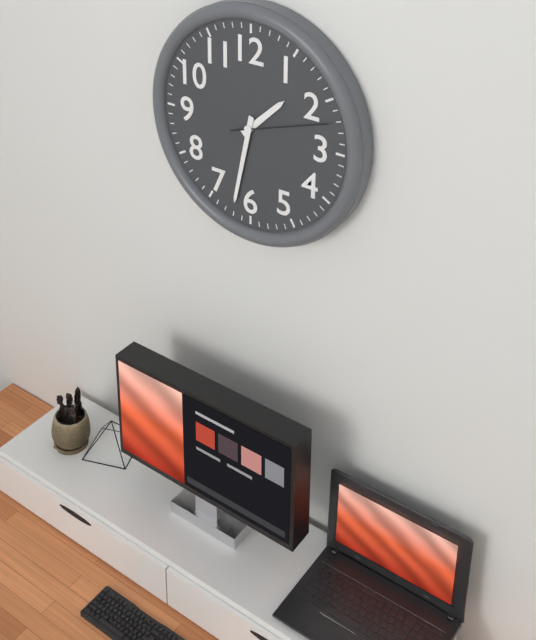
h=1 m=32 s=12
